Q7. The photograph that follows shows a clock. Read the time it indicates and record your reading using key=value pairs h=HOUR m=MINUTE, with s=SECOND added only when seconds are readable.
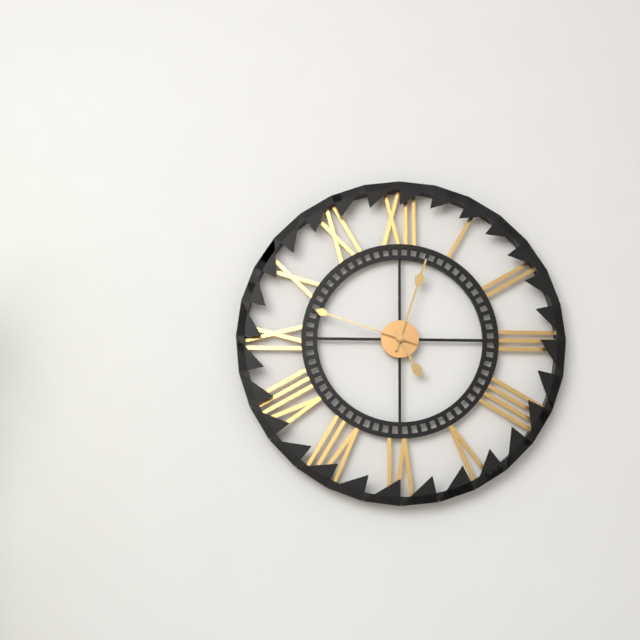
h=5 m=3 s=48
